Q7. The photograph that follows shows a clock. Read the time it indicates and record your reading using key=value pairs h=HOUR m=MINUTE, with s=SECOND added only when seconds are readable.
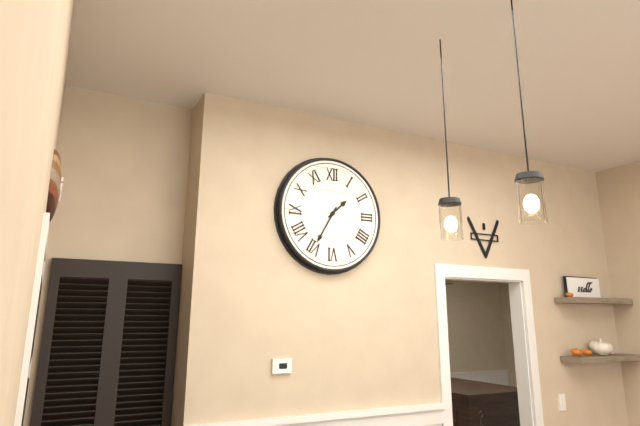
h=1 m=35
